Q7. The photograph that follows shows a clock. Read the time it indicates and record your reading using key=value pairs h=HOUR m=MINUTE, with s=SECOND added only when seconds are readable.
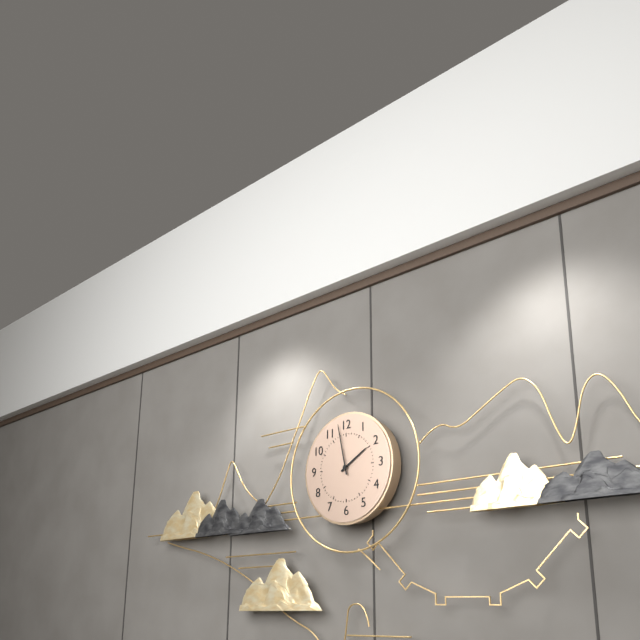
h=1 m=58
